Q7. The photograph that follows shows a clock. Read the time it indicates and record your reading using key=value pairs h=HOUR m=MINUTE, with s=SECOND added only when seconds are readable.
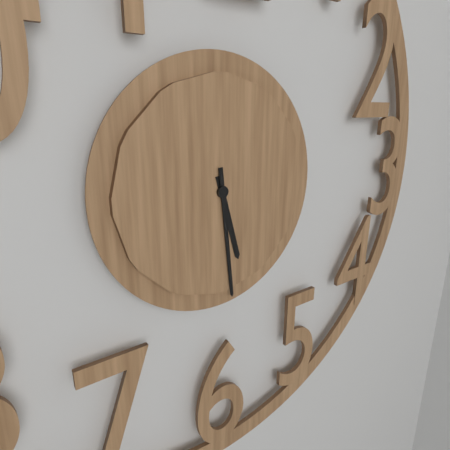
h=5 m=29
